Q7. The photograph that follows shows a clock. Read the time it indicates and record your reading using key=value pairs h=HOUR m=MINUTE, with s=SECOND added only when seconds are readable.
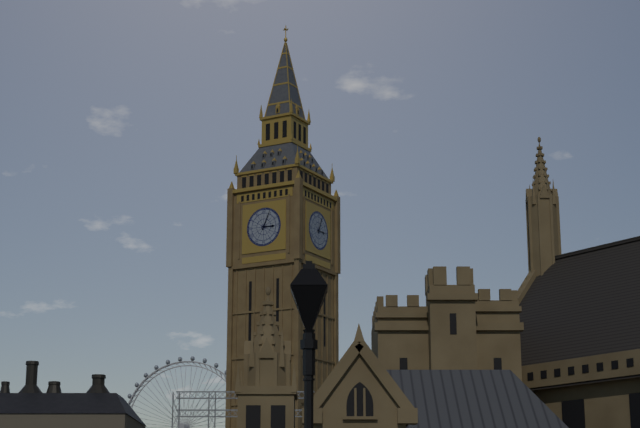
h=3 m=4
